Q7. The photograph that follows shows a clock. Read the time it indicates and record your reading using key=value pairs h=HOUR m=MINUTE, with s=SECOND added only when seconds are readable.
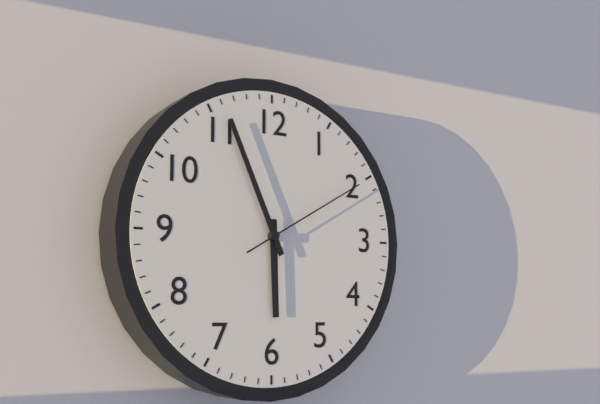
h=5 m=56 s=10
